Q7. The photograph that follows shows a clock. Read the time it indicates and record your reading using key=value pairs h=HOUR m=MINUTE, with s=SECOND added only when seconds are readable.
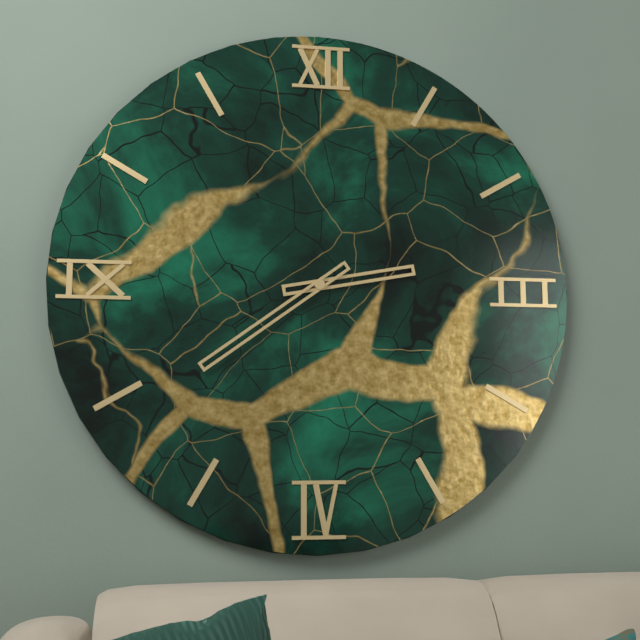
h=2 m=39
